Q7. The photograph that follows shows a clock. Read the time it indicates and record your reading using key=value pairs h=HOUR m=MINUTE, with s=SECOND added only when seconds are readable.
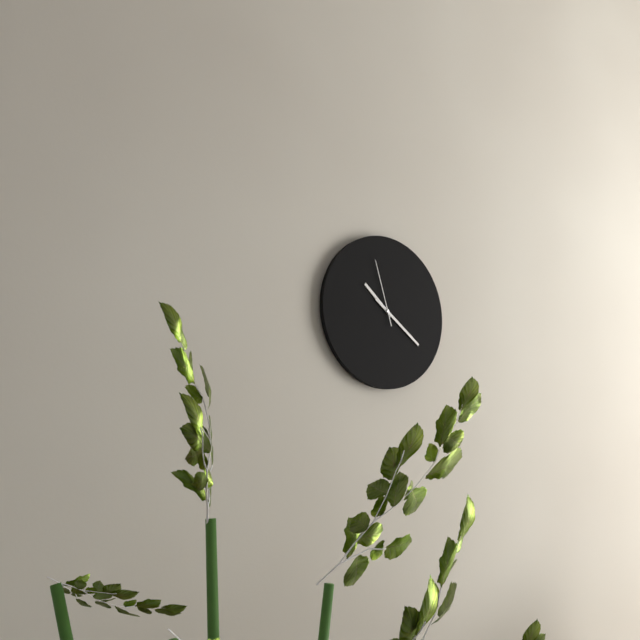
h=10 m=21 s=57
